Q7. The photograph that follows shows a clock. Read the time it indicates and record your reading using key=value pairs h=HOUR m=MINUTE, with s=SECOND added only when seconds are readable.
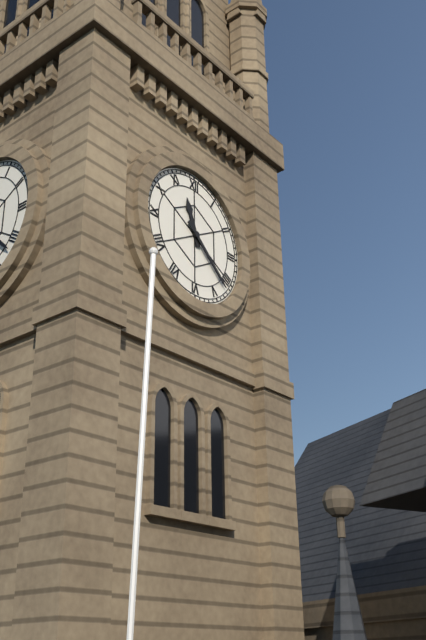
h=11 m=22
